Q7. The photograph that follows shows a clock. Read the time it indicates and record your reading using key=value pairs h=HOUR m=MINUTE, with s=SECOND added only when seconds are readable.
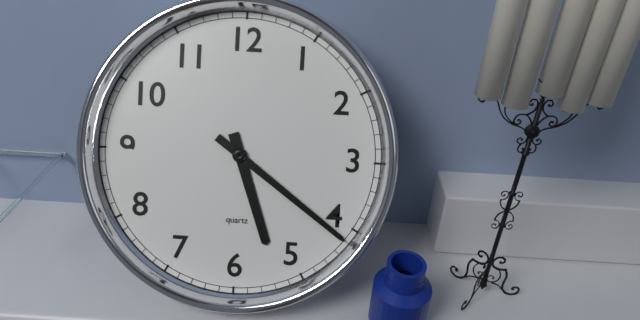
h=5 m=21
